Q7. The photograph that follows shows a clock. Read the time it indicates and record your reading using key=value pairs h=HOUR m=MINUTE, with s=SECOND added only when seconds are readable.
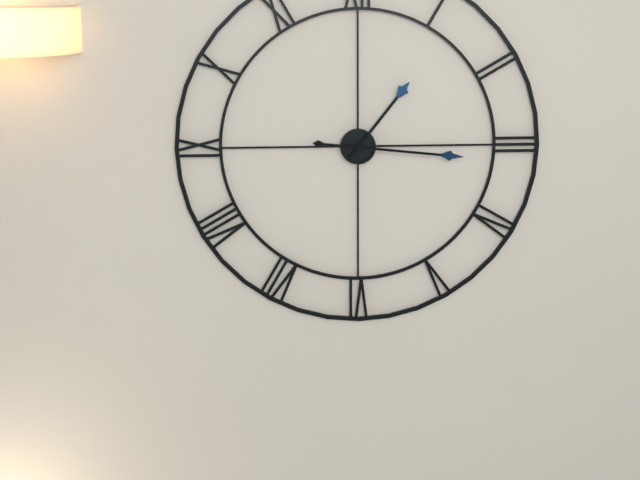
h=1 m=16
